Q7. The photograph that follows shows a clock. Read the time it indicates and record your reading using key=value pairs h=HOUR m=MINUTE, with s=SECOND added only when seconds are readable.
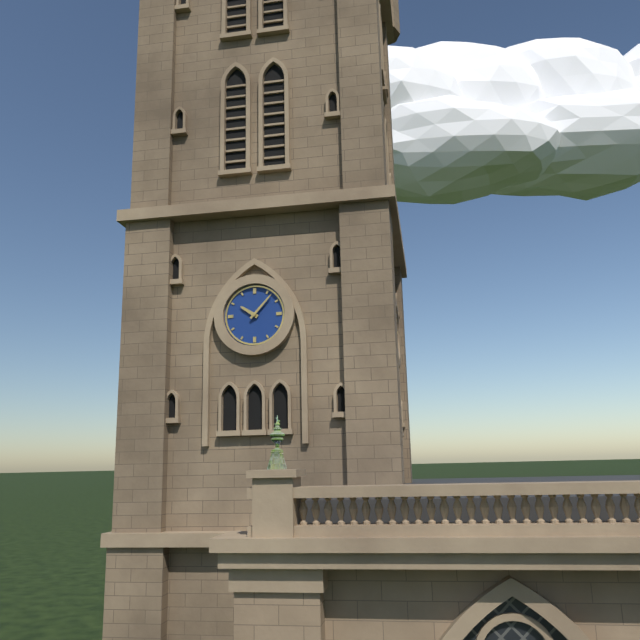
h=10 m=7
